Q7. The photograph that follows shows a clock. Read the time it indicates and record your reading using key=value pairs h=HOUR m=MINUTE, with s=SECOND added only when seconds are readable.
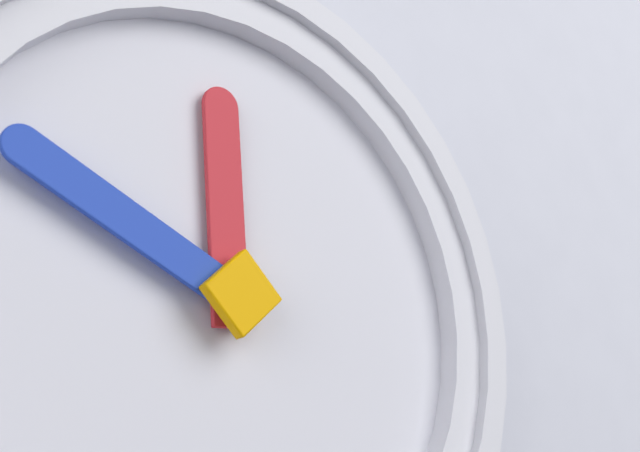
h=11 m=49
